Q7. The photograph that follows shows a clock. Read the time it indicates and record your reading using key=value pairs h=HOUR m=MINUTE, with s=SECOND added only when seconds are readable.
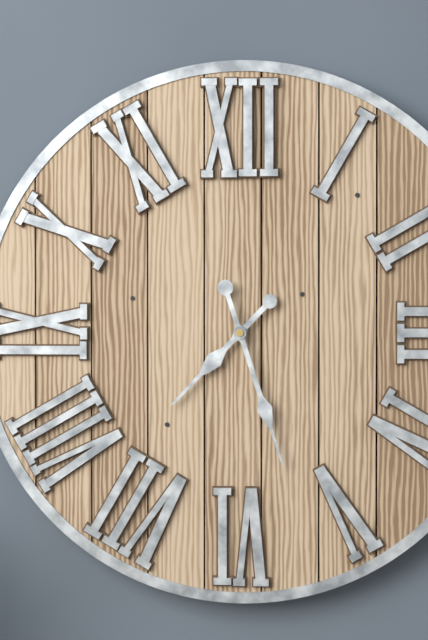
h=7 m=27
